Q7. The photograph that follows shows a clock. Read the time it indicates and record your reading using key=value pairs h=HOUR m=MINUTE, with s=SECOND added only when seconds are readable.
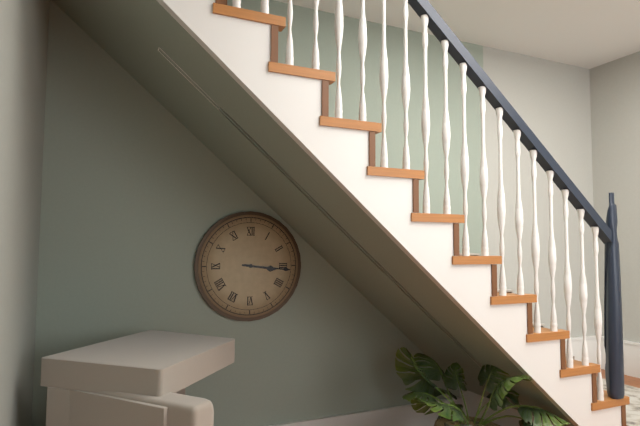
h=3 m=16
